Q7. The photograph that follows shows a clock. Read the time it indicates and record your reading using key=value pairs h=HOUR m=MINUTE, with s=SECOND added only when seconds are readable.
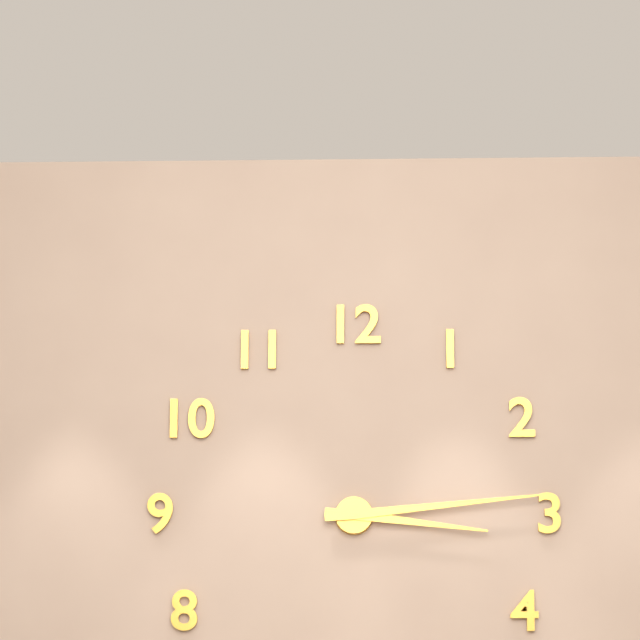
h=3 m=14
